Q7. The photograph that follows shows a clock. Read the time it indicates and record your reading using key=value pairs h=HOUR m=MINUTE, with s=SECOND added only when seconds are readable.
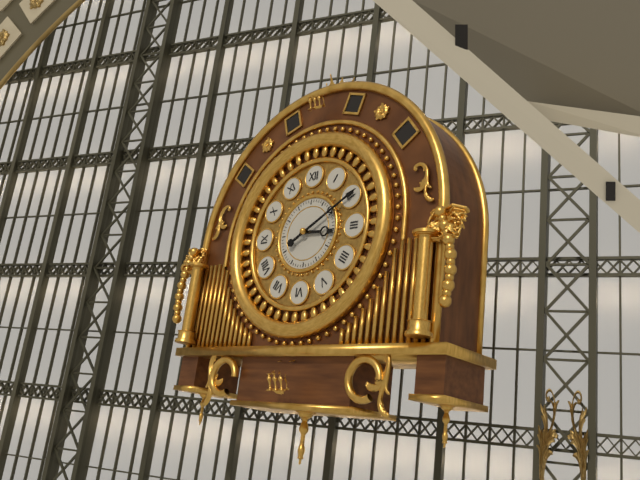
h=3 m=10
